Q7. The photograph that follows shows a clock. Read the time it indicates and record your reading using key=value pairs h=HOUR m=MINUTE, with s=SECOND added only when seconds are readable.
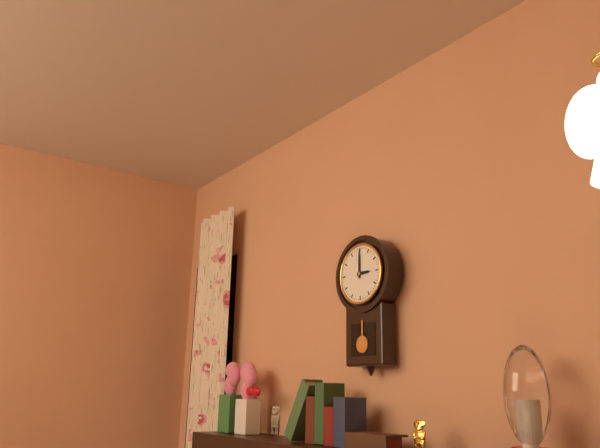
h=3 m=0
